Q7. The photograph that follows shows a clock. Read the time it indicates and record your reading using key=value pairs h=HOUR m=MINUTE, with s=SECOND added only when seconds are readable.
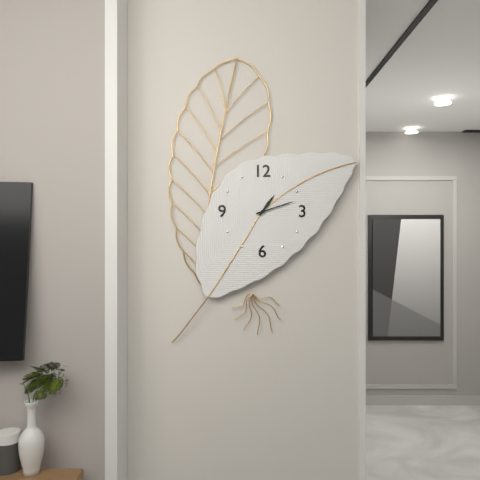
h=1 m=12
